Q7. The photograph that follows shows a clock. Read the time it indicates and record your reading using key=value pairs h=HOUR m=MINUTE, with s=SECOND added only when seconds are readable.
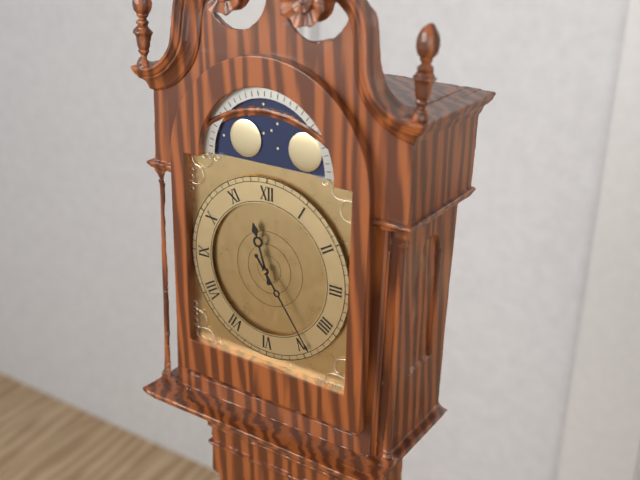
h=11 m=24
